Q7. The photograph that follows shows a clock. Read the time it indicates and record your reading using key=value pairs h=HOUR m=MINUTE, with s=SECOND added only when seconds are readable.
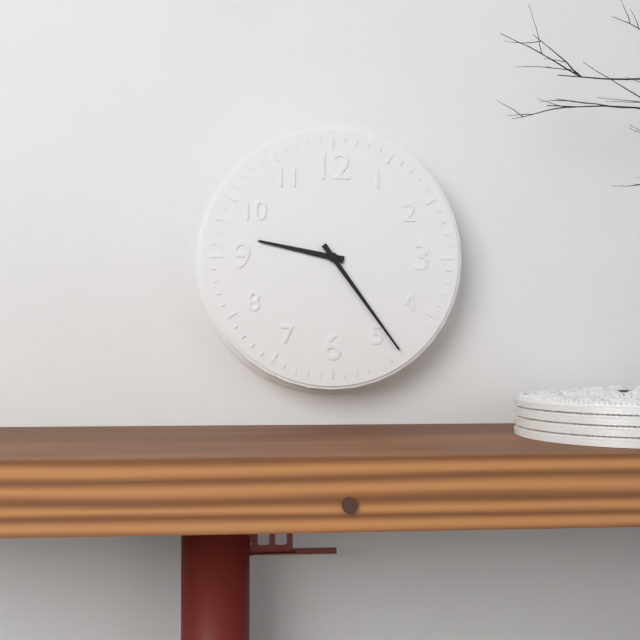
h=9 m=24
